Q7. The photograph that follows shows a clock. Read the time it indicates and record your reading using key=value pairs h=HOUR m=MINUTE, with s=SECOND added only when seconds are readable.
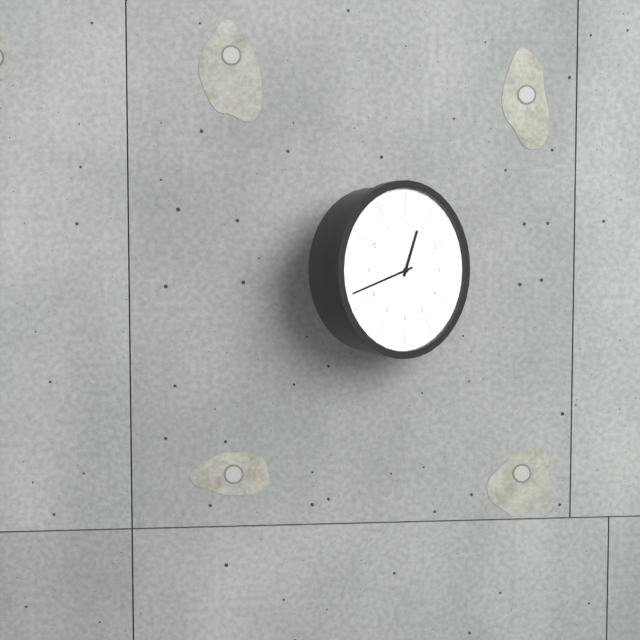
h=12 m=42
